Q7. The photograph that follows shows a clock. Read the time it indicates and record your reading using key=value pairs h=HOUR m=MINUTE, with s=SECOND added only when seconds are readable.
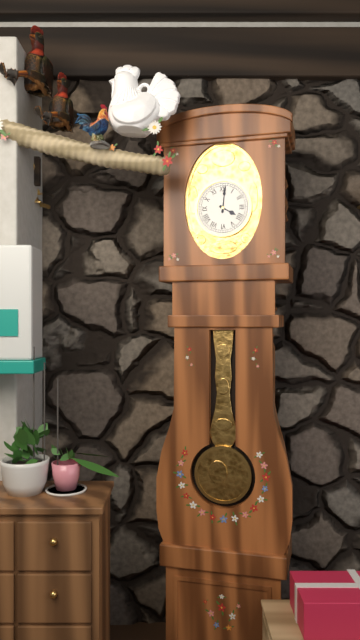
h=4 m=1
